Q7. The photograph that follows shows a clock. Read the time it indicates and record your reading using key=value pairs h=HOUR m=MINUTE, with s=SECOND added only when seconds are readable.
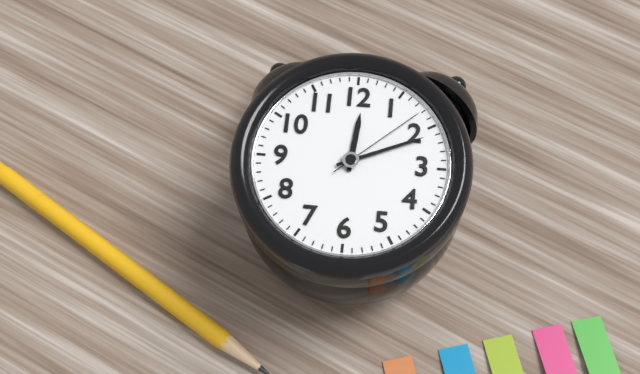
h=12 m=11 s=8
